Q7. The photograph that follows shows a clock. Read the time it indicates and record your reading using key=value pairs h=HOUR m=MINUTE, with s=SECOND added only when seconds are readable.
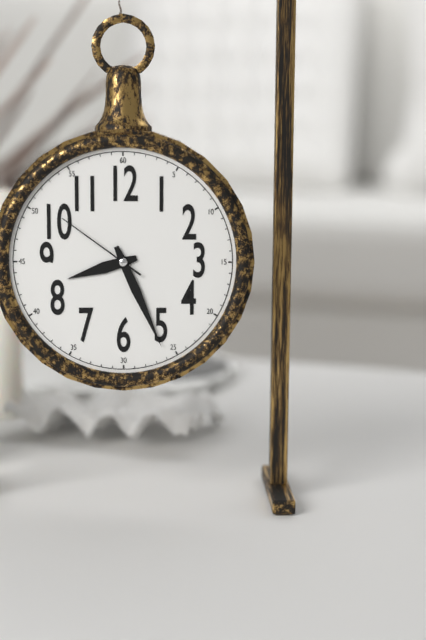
h=8 m=26 s=51
